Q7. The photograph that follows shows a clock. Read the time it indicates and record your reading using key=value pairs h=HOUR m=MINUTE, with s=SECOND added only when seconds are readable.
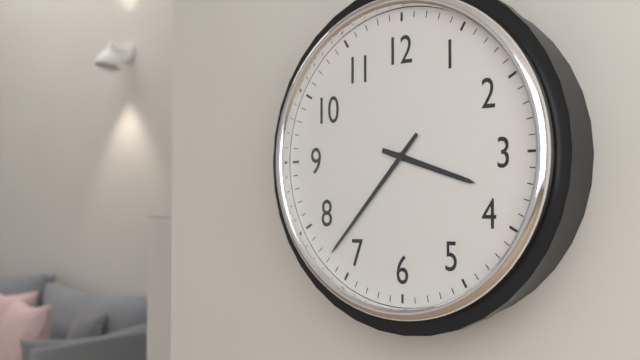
h=3 m=37
